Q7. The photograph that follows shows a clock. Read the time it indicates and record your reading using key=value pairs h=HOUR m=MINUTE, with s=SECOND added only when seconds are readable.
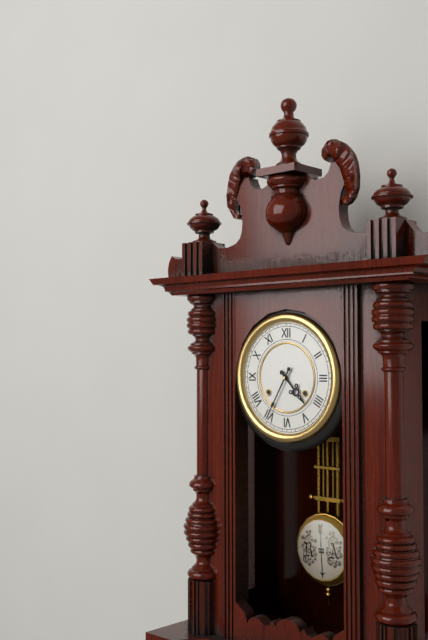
h=4 m=35
